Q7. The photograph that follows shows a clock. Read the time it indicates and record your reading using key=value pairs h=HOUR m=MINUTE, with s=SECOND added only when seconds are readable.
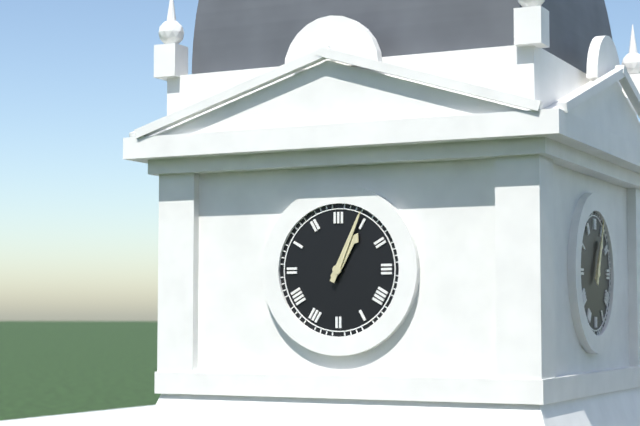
h=1 m=4
